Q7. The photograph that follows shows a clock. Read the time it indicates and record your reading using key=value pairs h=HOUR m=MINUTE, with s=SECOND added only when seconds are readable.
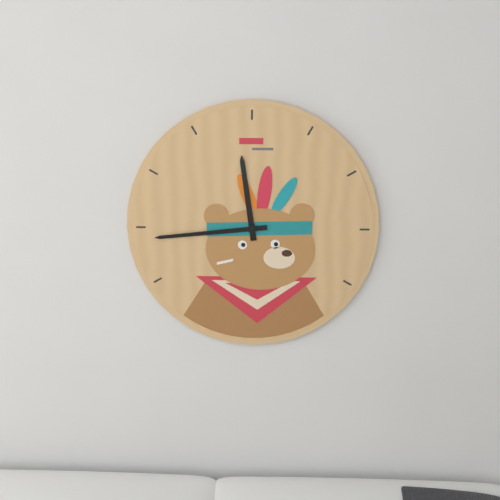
h=11 m=44
